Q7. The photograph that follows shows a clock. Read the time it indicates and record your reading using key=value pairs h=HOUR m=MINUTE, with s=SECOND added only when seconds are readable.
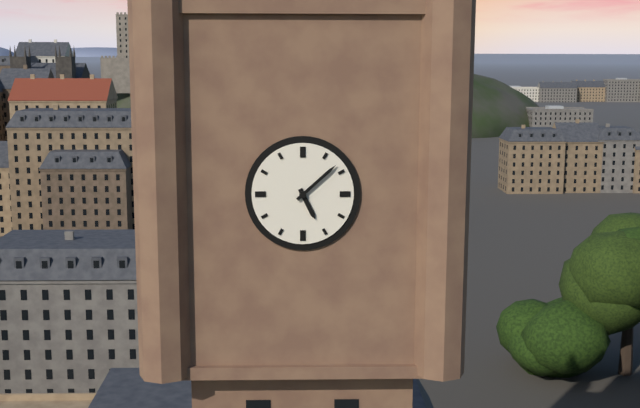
h=5 m=8
